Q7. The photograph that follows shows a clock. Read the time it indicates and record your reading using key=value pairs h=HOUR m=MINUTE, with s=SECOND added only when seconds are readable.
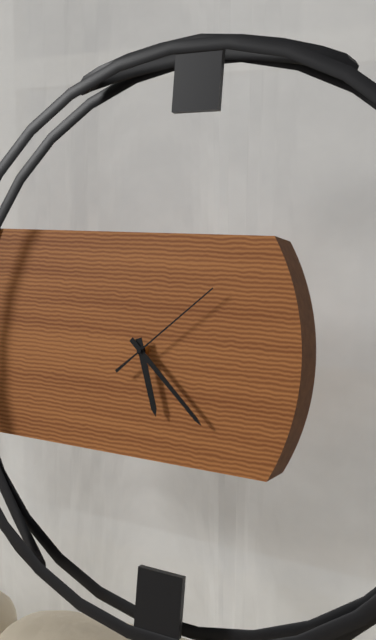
h=5 m=22 s=8
